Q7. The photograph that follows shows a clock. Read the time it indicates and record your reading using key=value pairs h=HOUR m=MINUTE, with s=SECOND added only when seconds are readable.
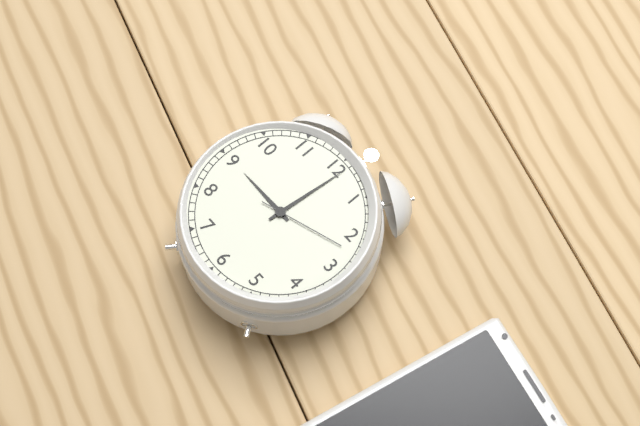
h=9 m=1 s=12
